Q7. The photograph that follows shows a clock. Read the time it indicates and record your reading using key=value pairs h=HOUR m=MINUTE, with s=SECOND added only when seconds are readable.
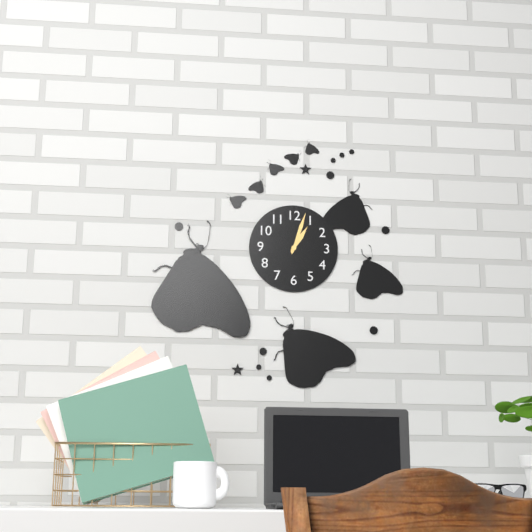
h=1 m=3
